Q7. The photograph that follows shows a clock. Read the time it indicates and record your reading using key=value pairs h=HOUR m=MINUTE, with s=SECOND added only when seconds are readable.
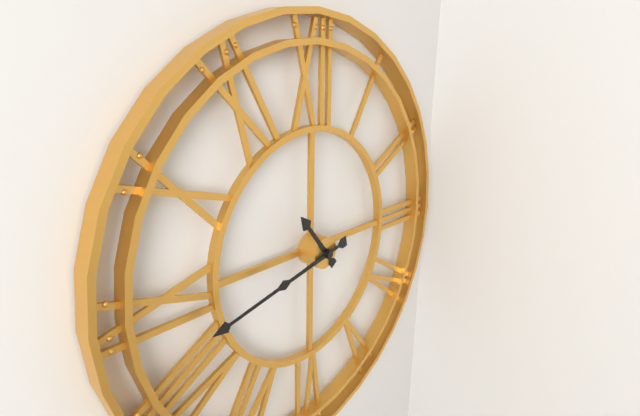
h=10 m=43
